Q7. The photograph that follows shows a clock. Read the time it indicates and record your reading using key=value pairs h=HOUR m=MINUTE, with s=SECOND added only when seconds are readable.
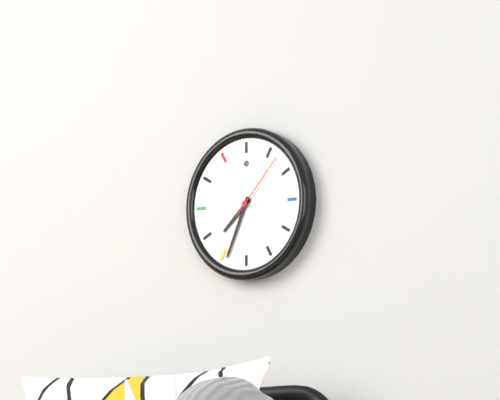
h=7 m=34 s=7
